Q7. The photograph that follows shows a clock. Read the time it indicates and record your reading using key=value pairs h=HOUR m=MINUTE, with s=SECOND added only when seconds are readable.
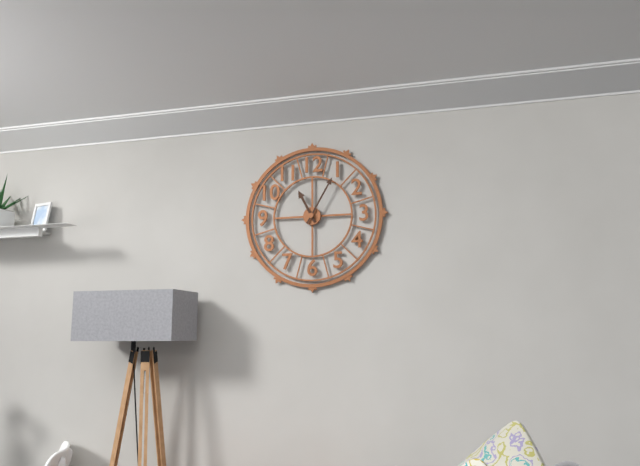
h=11 m=5
